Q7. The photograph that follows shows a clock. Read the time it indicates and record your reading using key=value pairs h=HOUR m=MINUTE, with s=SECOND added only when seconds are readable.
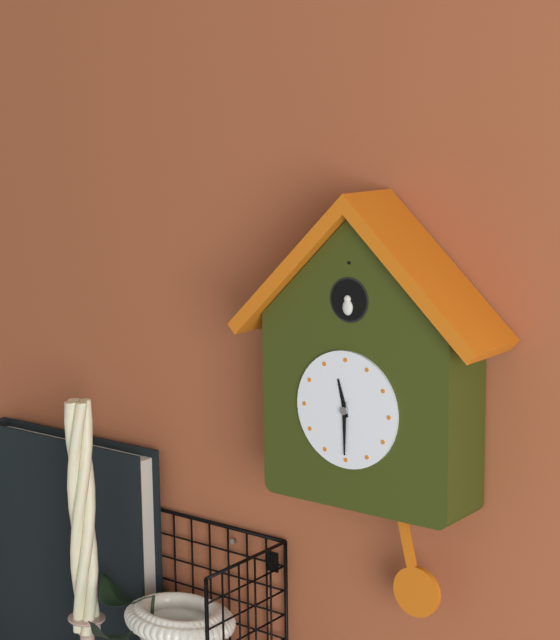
h=11 m=30
